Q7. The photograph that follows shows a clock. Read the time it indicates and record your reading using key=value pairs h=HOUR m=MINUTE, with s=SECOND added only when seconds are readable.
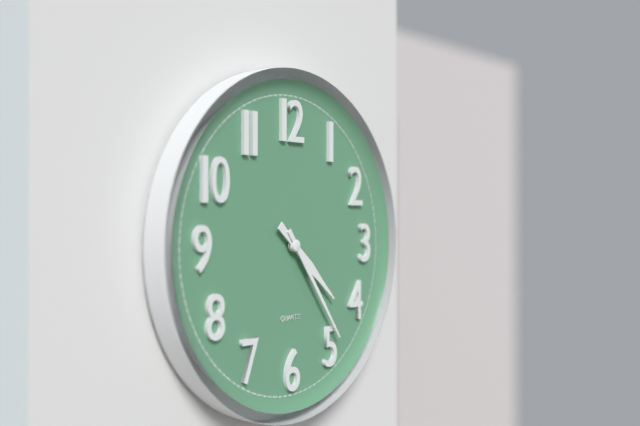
h=4 m=24
